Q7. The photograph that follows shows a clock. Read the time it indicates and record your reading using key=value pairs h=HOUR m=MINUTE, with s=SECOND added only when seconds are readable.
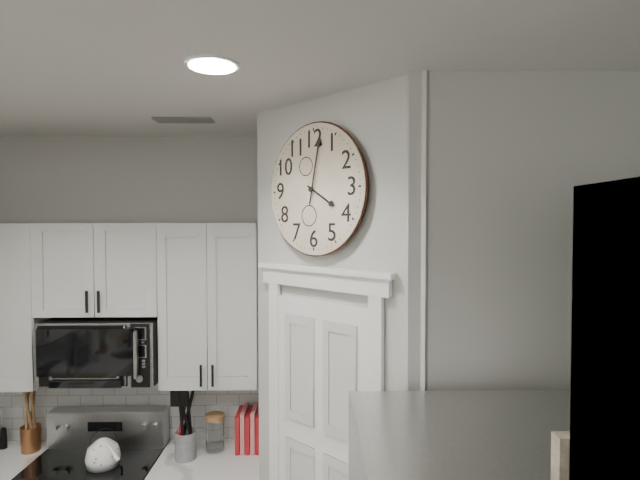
h=4 m=2
